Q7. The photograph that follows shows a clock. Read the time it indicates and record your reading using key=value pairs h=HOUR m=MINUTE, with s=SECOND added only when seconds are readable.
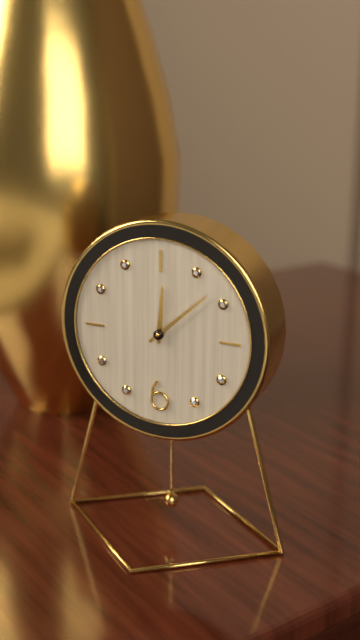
h=12 m=8
